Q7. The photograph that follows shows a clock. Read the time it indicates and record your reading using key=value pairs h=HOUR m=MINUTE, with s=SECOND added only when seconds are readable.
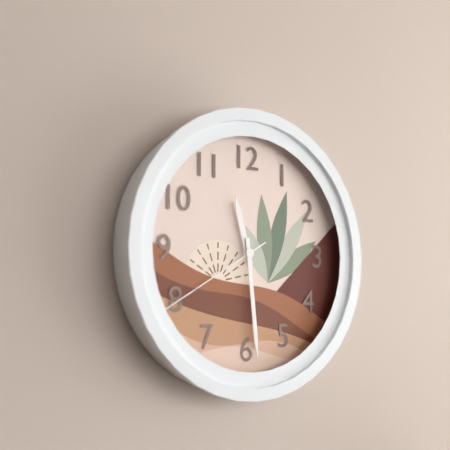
h=11 m=29 s=40
